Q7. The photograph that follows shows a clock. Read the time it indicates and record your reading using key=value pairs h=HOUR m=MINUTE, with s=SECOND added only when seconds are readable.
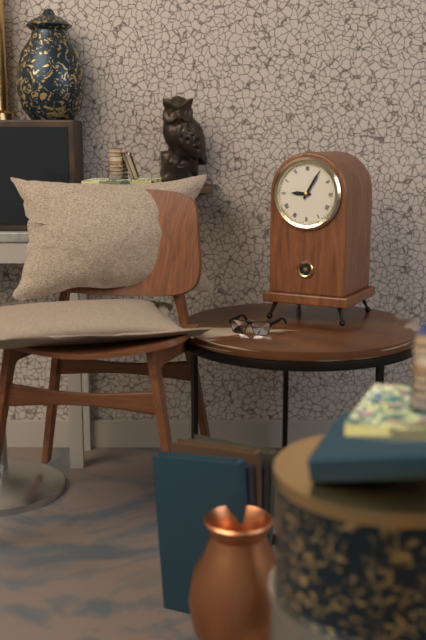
h=9 m=5
